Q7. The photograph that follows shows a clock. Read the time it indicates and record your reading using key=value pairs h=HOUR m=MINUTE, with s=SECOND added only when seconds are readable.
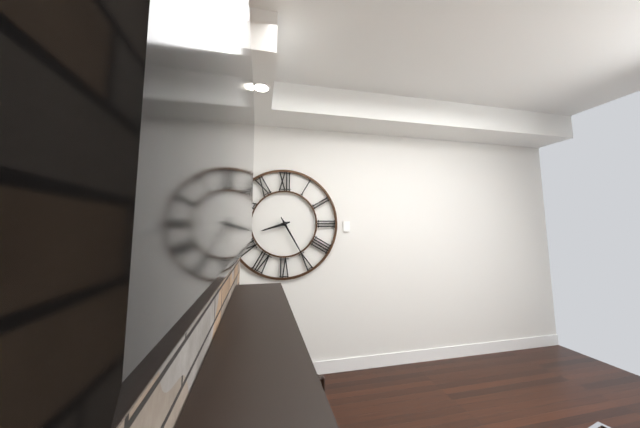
h=8 m=25
